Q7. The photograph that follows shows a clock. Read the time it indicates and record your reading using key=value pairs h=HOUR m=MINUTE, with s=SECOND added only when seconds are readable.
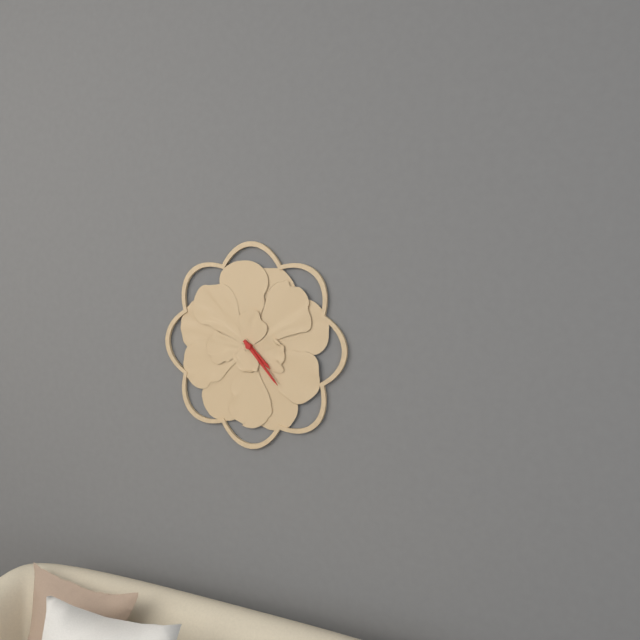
h=4 m=23
